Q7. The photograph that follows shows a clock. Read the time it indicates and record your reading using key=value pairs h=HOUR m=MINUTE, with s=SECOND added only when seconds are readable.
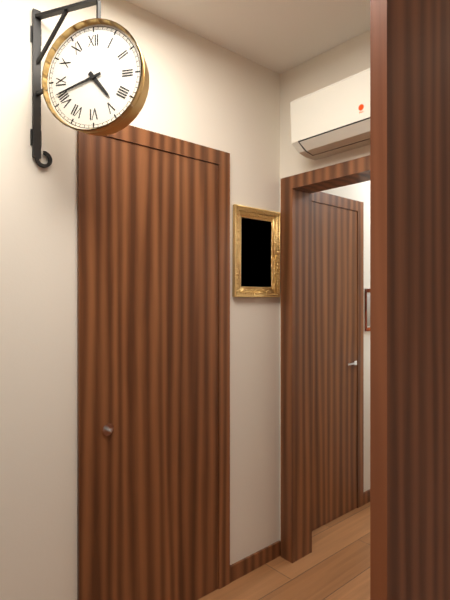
h=4 m=42
